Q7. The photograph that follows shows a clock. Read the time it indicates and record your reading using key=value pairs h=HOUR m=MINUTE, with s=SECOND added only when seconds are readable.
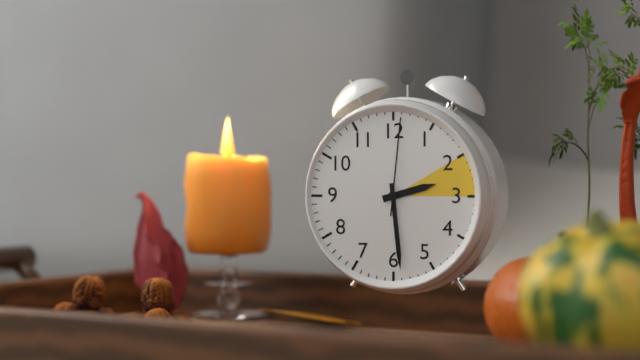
h=2 m=29 s=1
